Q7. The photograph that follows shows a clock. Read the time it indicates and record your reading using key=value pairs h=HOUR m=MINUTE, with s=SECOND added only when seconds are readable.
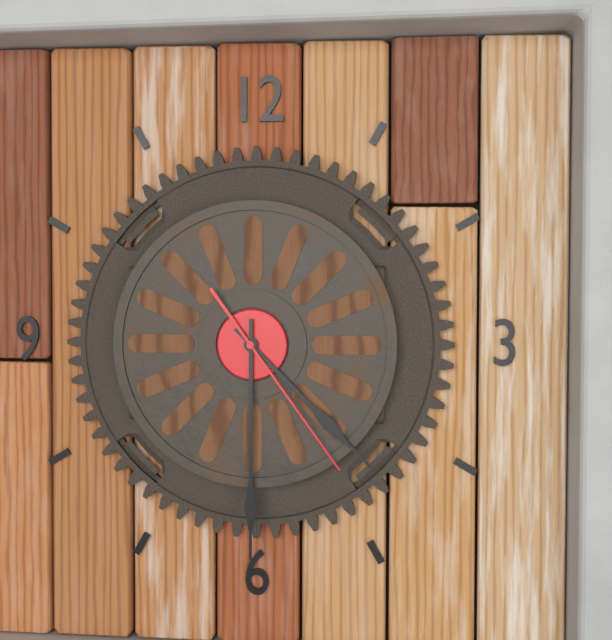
h=4 m=30 s=24
